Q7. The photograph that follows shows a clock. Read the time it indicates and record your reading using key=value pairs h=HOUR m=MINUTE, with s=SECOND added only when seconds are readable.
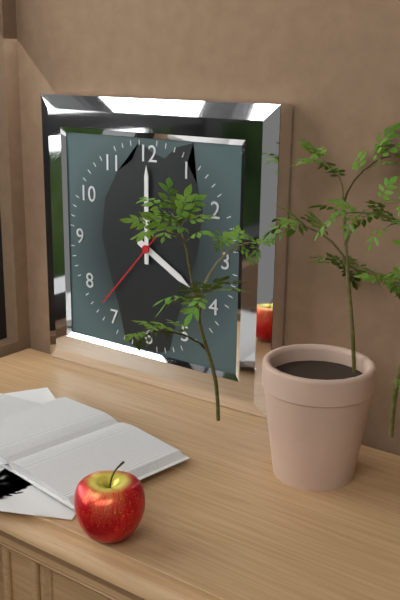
h=4 m=0 s=37
